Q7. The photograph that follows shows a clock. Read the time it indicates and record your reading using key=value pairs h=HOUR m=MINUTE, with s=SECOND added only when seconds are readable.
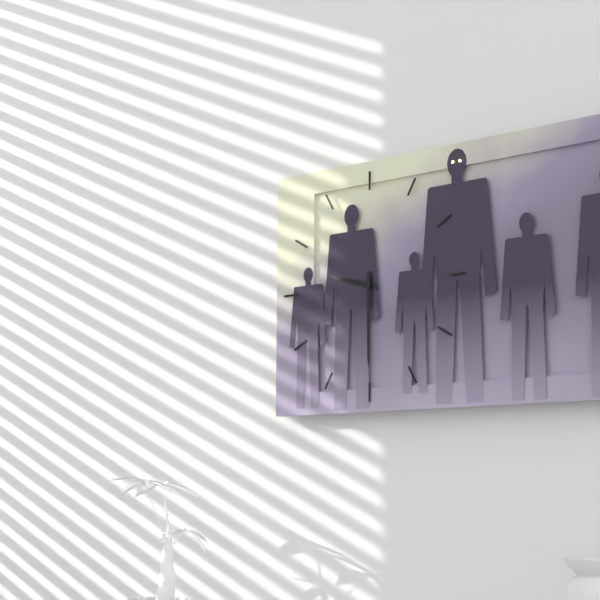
h=9 m=30
